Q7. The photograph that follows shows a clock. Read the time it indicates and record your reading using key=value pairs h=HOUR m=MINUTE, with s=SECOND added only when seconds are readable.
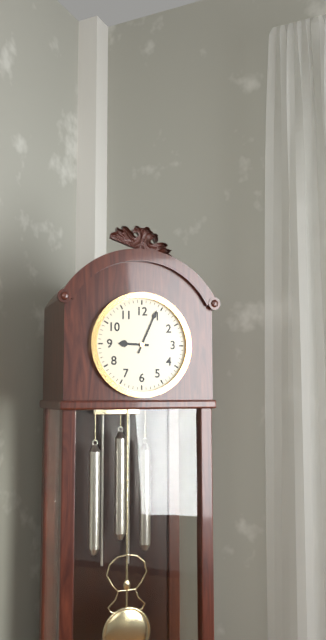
h=9 m=4
